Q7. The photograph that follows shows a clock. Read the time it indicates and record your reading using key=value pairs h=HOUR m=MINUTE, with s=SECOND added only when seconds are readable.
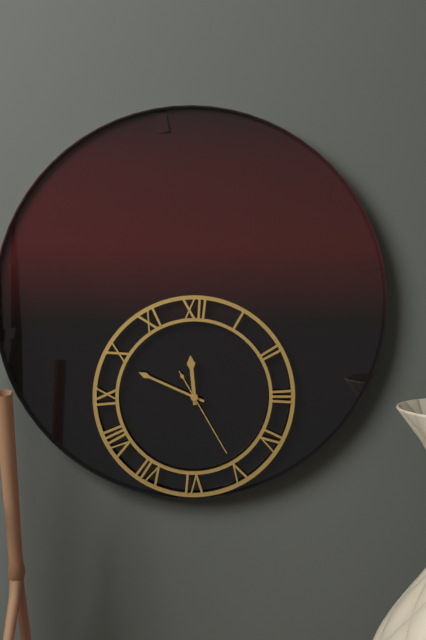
h=11 m=49 s=25
